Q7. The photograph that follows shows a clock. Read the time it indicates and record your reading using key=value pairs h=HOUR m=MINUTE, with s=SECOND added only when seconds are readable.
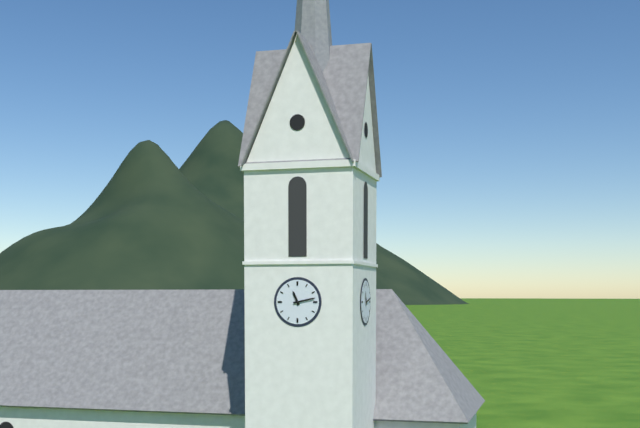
h=11 m=13
